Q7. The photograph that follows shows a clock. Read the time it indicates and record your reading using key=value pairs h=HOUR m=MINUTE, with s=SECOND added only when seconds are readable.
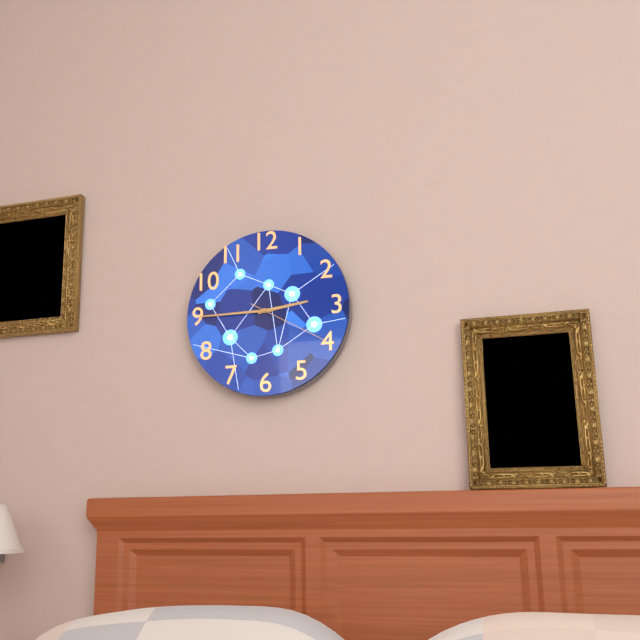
h=2 m=45 s=20
